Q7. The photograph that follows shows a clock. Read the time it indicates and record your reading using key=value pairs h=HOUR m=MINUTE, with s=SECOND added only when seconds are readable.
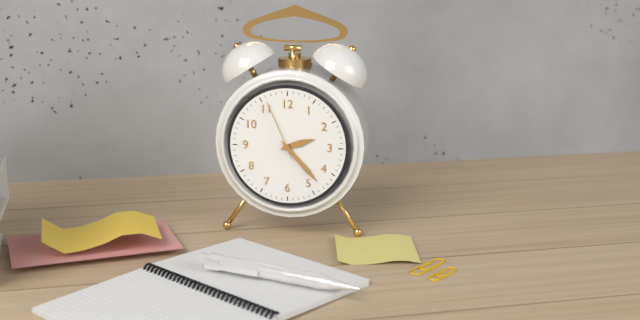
h=2 m=23 s=56
